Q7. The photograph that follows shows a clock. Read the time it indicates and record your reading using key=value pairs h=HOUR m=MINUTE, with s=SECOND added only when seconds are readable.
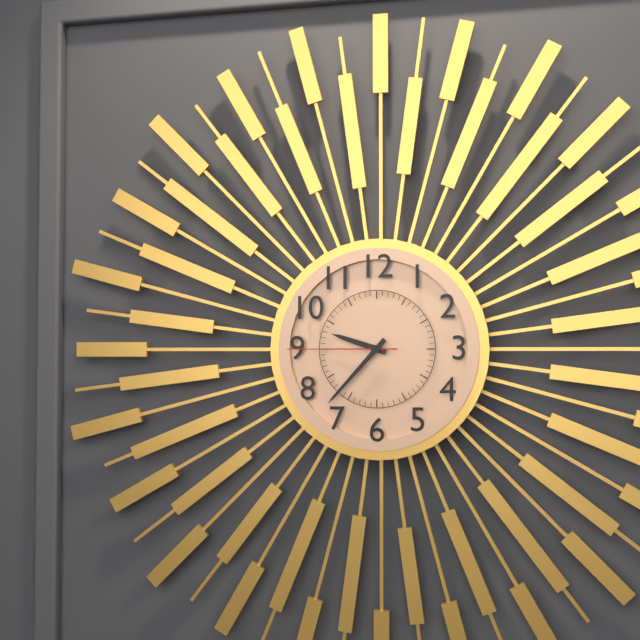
h=9 m=37 s=45
